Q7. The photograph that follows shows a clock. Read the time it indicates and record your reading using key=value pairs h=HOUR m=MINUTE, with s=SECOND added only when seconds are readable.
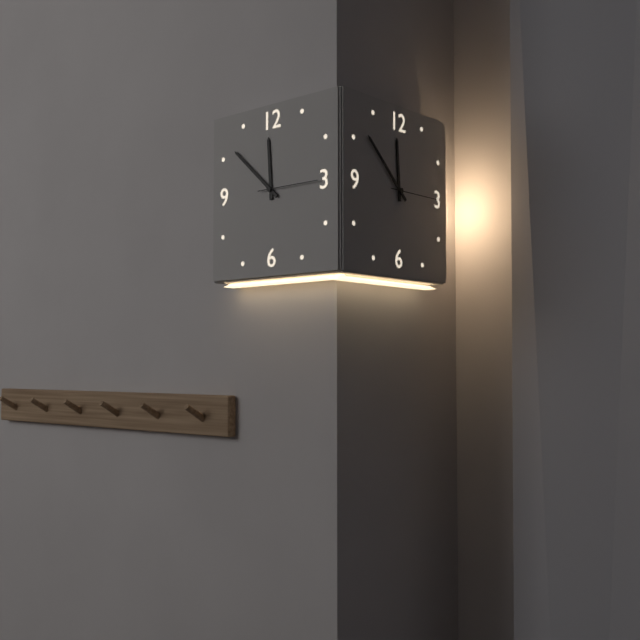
h=11 m=52 s=15
